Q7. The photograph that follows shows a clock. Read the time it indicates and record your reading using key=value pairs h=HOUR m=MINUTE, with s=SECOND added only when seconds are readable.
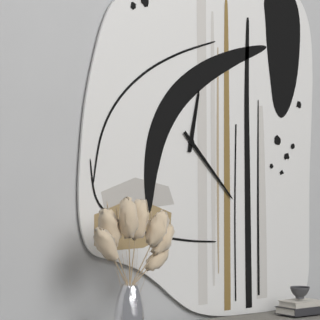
h=12 m=23
